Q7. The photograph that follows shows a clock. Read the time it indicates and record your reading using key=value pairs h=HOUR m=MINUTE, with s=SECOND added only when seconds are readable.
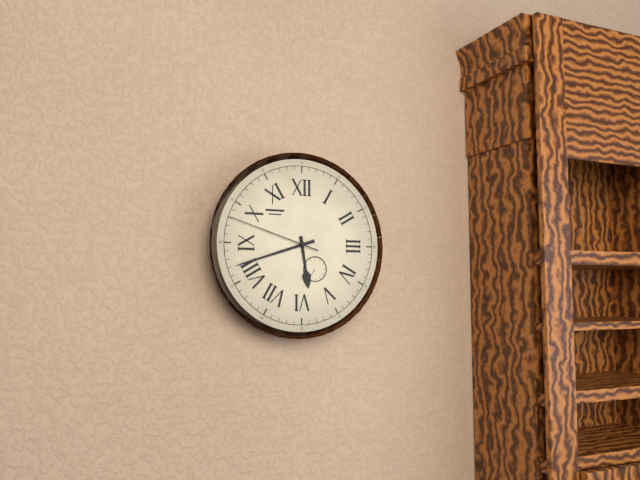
h=5 m=42 s=48
